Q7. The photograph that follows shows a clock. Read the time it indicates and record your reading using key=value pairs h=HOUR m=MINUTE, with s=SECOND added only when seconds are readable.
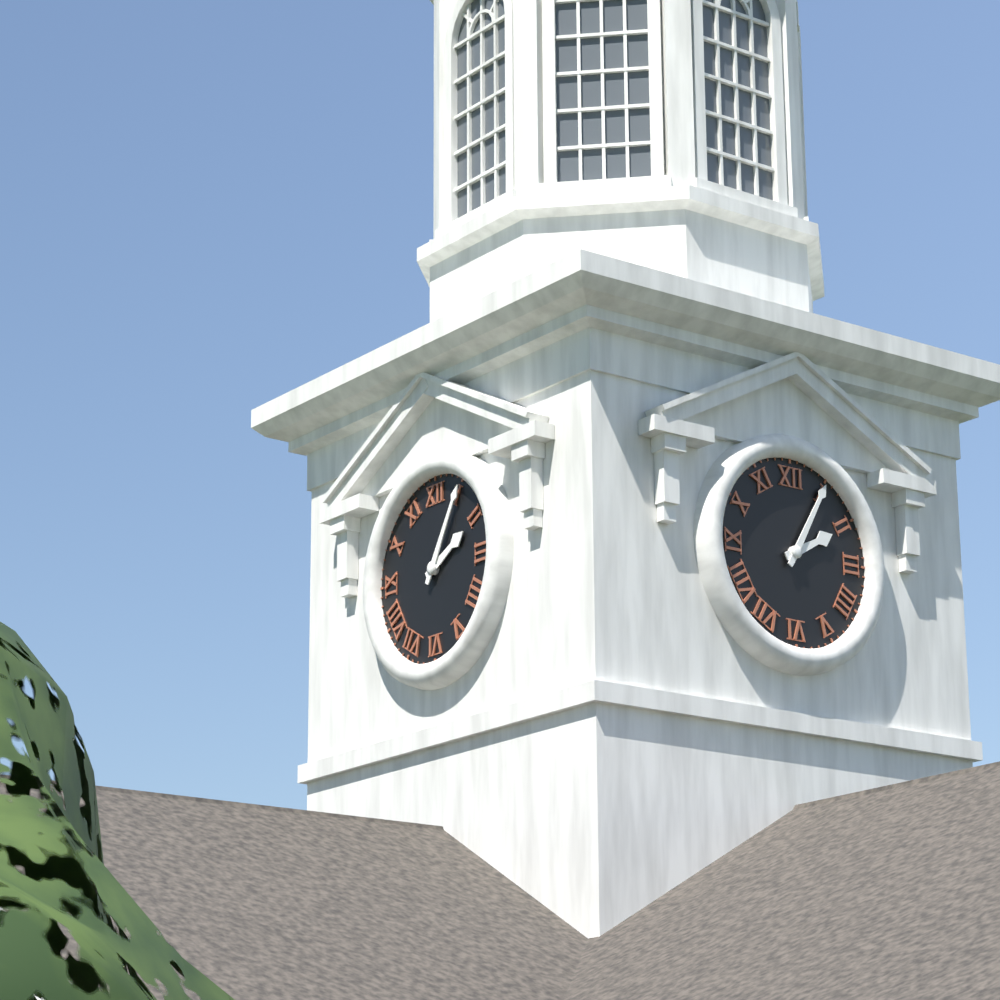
h=2 m=5
